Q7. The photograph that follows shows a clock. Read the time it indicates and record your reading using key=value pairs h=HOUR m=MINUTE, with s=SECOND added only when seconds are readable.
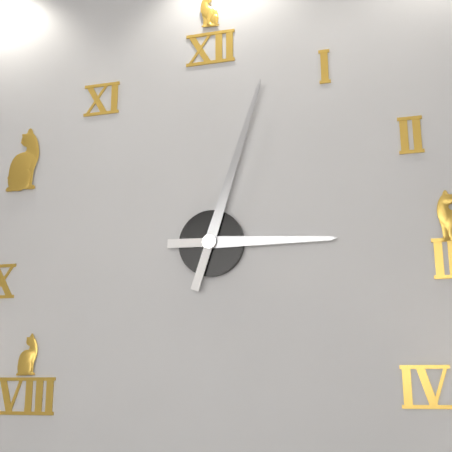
h=3 m=3
